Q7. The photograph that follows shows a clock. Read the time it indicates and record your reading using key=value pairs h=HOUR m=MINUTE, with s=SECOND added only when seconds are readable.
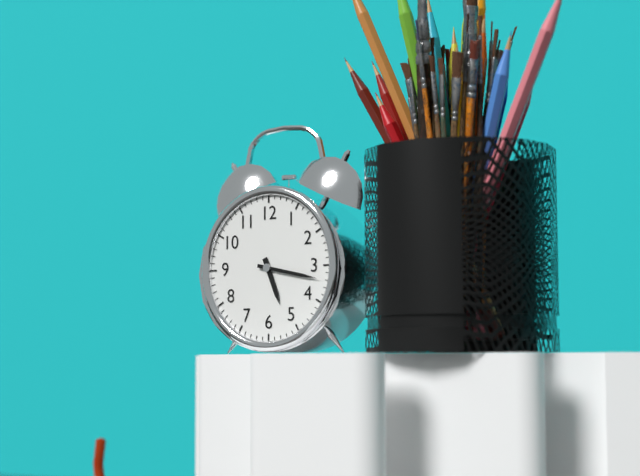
h=5 m=17
